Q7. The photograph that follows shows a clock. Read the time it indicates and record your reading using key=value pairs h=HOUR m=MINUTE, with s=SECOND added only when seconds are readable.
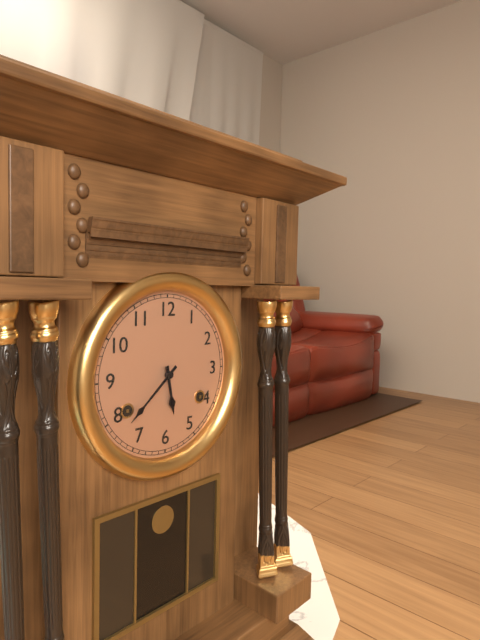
h=5 m=38
